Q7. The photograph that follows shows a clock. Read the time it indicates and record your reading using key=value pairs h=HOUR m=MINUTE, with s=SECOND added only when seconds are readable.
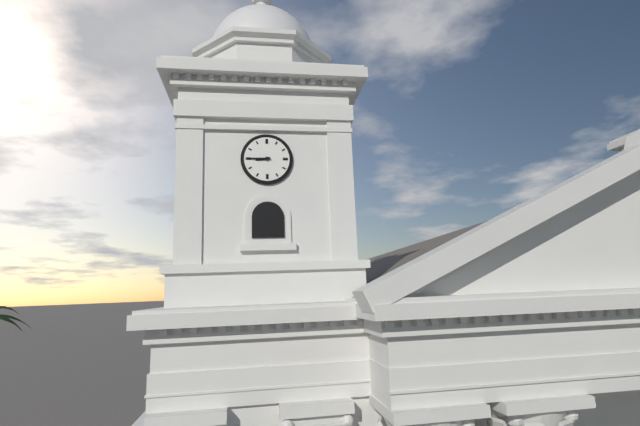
h=8 m=45
